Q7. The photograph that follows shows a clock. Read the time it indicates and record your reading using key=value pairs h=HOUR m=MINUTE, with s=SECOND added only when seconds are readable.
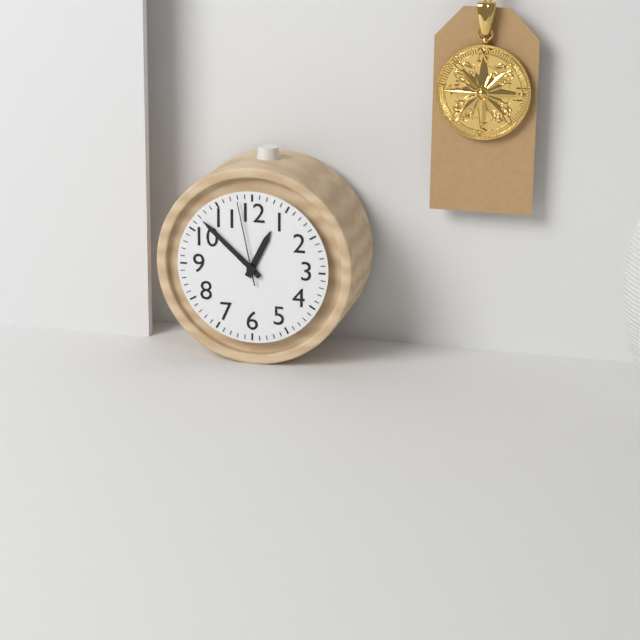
h=12 m=52 s=58
